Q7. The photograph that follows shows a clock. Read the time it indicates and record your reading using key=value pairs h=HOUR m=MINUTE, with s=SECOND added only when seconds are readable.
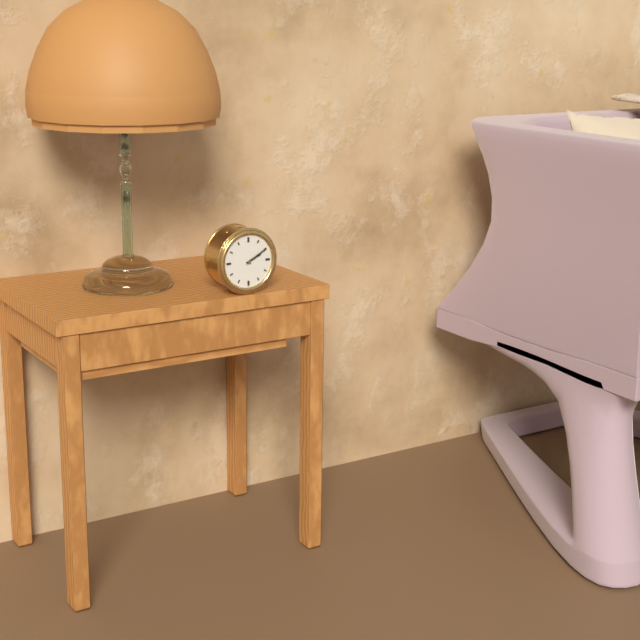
h=2 m=10
